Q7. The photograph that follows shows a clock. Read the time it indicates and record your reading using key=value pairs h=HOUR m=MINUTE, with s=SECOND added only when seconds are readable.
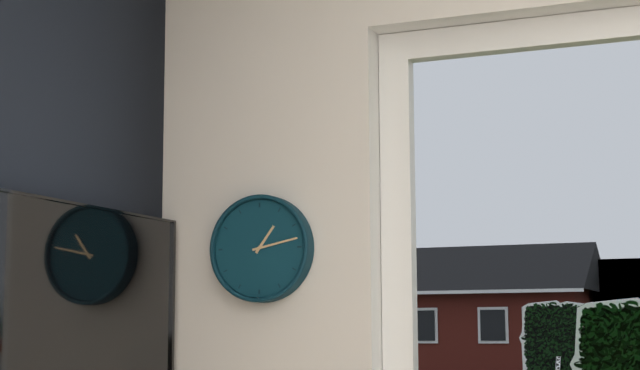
h=1 m=13
